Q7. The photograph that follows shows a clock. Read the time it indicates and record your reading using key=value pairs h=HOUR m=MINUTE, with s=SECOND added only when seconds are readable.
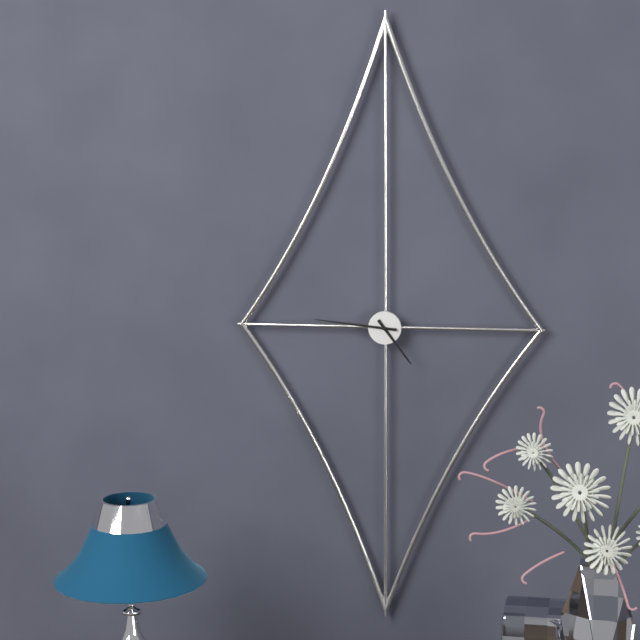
h=4 m=46
